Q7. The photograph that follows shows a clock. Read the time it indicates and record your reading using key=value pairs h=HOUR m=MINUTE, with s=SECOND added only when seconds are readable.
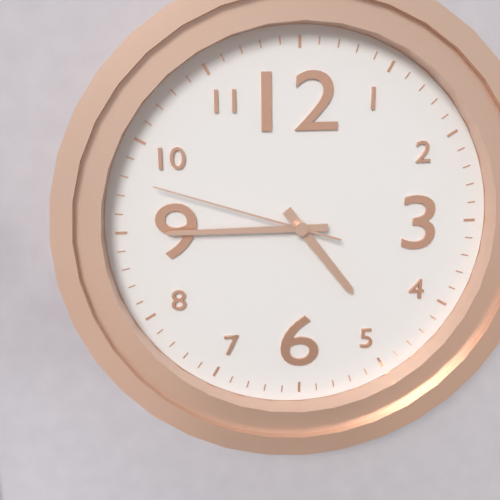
h=4 m=45 s=48
